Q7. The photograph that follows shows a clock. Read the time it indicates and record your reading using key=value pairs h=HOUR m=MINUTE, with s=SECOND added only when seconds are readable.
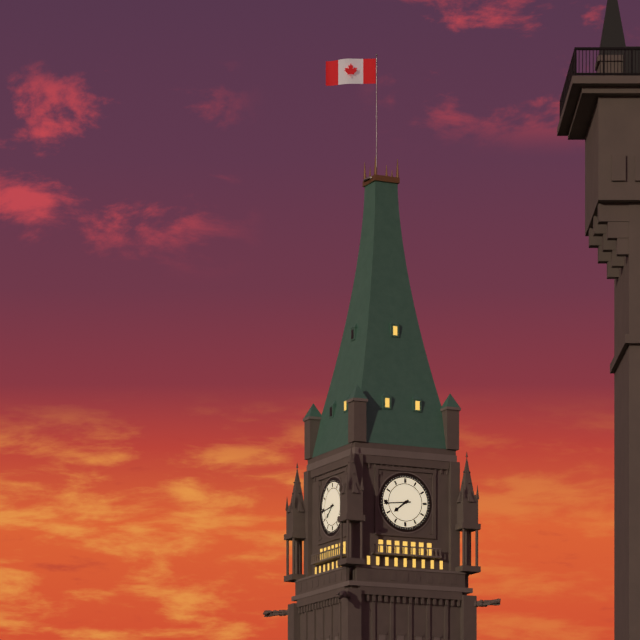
h=7 m=44
